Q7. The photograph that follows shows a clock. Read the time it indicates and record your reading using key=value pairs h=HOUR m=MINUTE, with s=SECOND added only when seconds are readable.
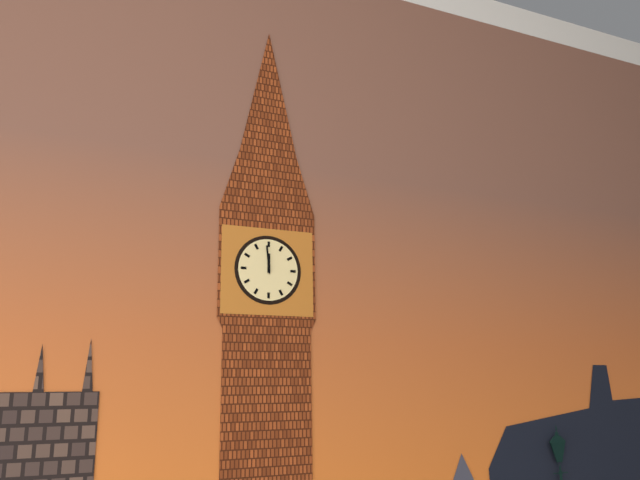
h=11 m=59
